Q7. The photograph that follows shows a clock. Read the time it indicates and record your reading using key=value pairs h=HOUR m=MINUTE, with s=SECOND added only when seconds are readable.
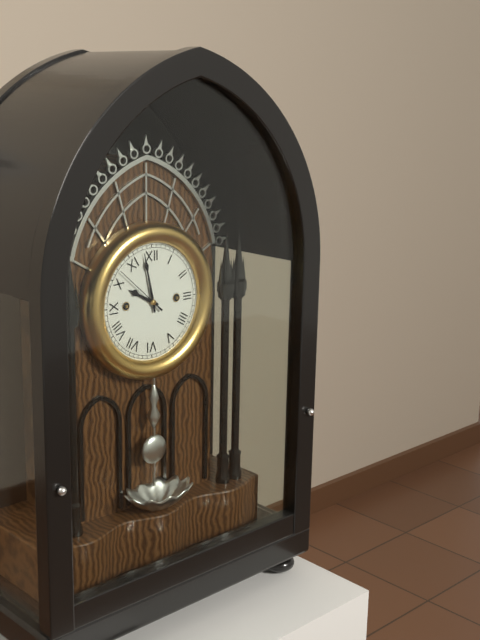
h=9 m=58 s=52
